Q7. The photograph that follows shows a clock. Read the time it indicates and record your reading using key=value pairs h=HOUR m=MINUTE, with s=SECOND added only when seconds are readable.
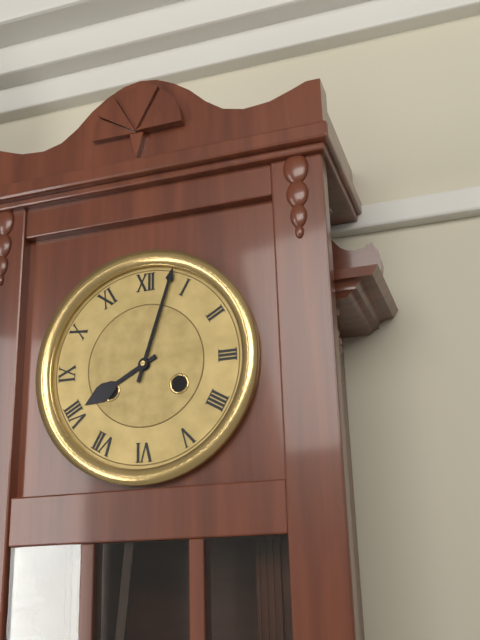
h=8 m=3
